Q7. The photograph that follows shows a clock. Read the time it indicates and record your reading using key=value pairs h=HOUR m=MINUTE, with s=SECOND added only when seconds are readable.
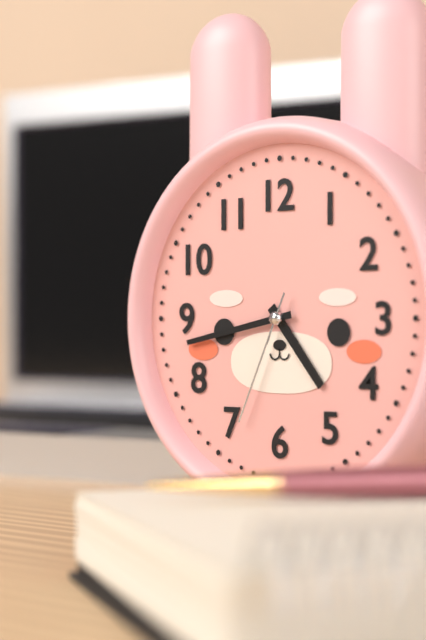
h=4 m=43 s=34
